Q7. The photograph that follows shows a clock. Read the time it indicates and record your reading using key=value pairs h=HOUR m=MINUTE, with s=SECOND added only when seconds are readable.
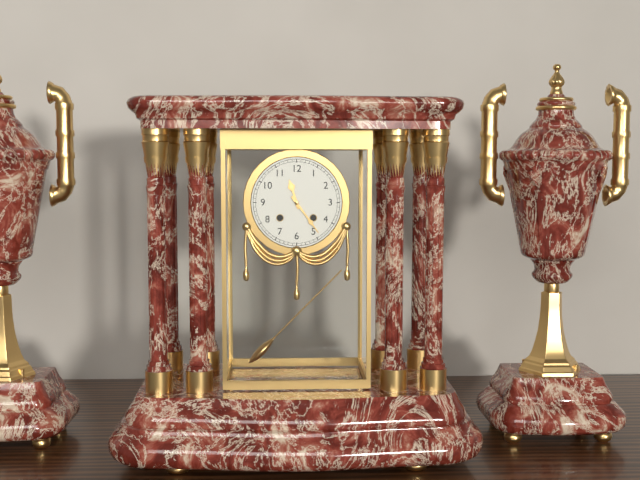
h=11 m=24
